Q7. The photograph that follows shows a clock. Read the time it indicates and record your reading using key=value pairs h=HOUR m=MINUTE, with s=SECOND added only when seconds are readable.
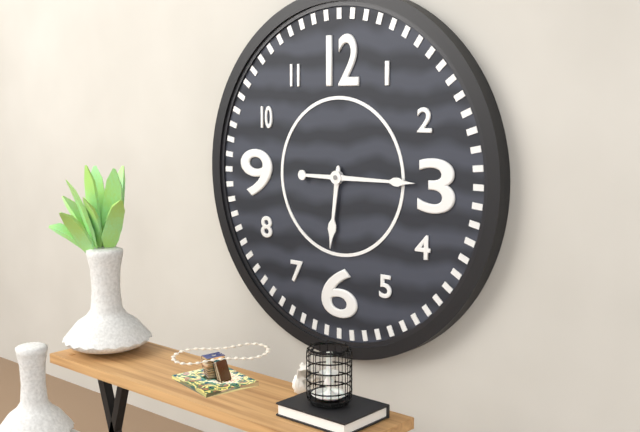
h=6 m=15
